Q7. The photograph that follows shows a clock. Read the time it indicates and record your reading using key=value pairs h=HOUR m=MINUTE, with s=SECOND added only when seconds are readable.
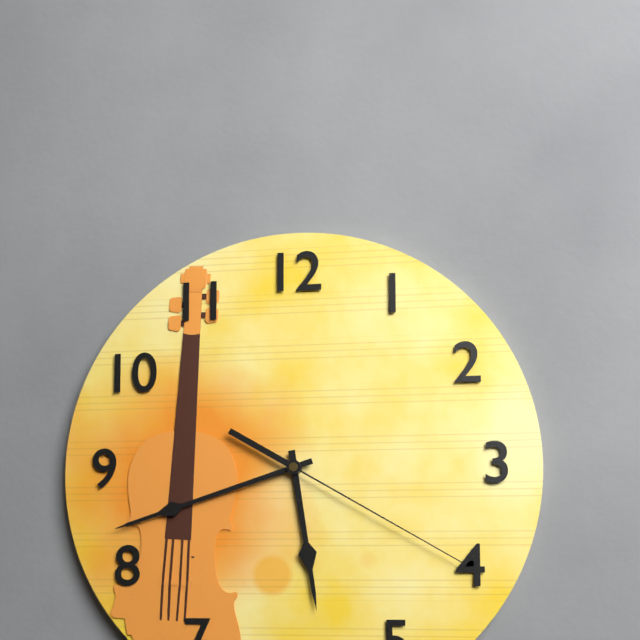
h=5 m=42 s=20
